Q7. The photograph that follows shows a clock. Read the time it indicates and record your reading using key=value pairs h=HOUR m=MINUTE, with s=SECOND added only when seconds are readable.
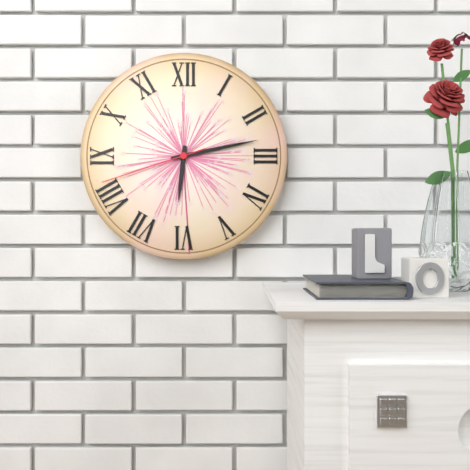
h=6 m=13 s=42
